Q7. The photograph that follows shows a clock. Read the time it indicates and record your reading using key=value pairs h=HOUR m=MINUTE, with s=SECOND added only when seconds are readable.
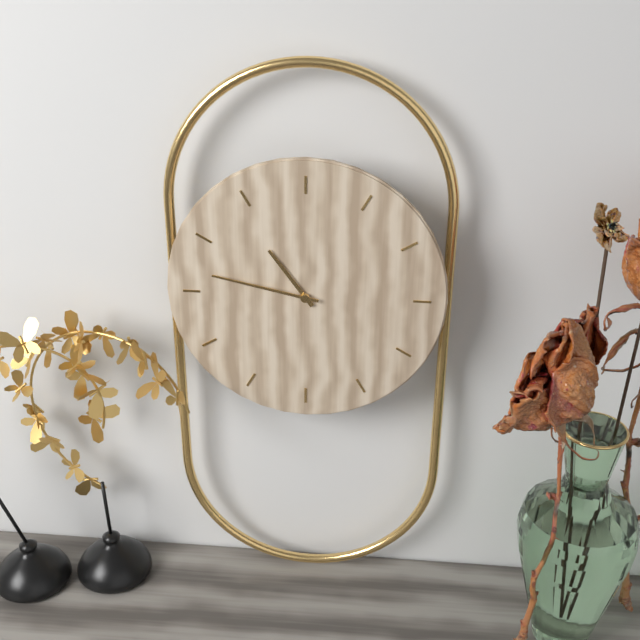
h=10 m=47
